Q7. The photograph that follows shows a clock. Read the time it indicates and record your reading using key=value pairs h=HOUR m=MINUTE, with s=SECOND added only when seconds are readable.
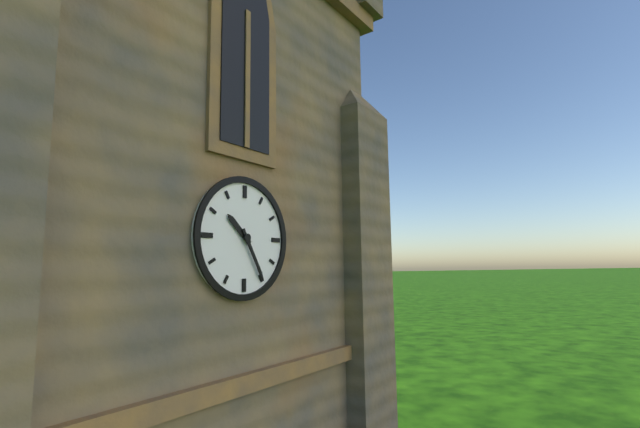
h=10 m=25
